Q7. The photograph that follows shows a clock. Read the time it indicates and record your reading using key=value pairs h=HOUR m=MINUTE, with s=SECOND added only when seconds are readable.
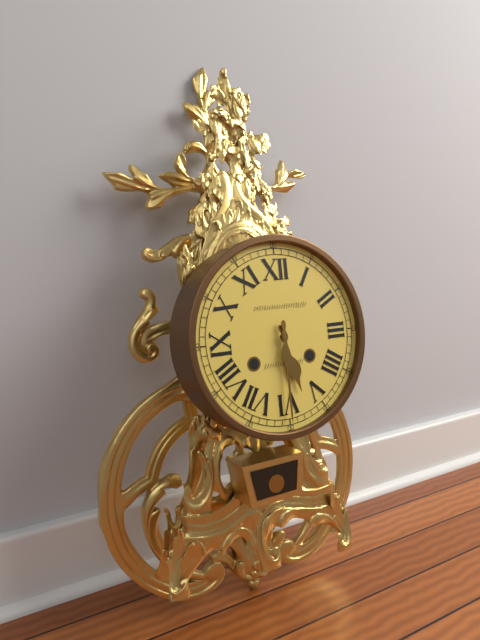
h=5 m=30
